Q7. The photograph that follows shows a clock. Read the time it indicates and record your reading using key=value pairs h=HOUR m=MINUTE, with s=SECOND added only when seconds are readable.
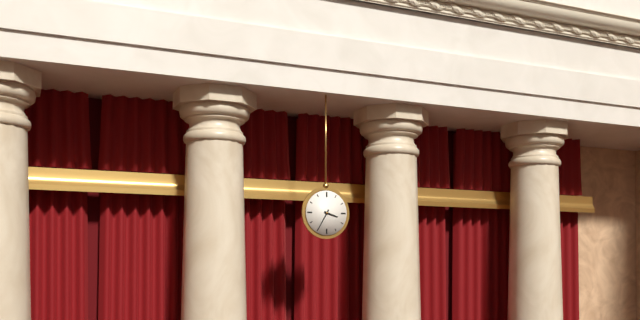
h=3 m=35
